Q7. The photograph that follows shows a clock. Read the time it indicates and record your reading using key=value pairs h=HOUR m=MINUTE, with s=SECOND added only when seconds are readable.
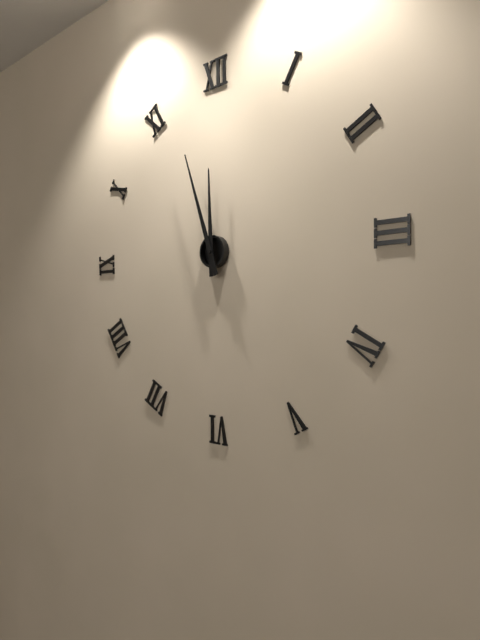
h=11 m=57
